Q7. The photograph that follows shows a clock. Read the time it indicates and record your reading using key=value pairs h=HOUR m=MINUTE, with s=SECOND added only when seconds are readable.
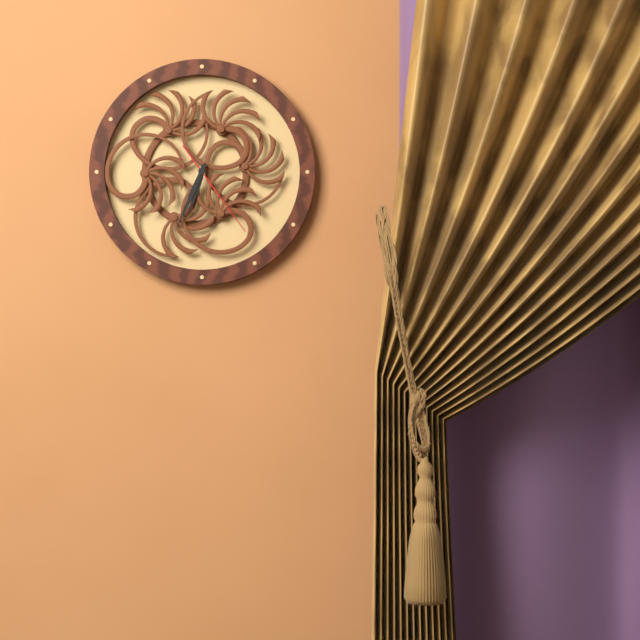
h=6 m=34 s=24
